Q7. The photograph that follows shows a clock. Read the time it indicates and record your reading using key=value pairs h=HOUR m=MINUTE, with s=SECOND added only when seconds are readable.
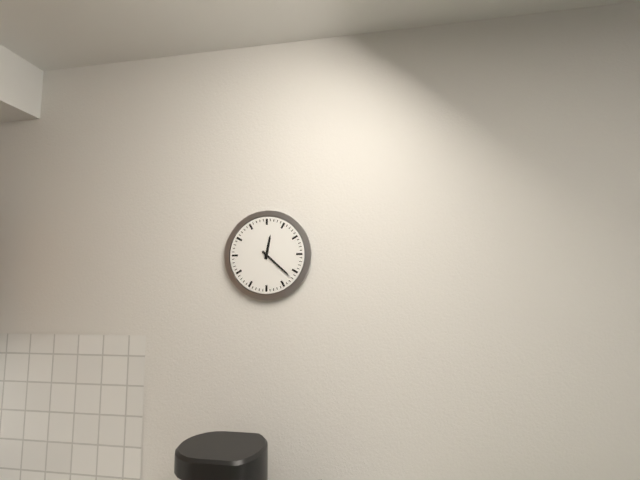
h=12 m=22
